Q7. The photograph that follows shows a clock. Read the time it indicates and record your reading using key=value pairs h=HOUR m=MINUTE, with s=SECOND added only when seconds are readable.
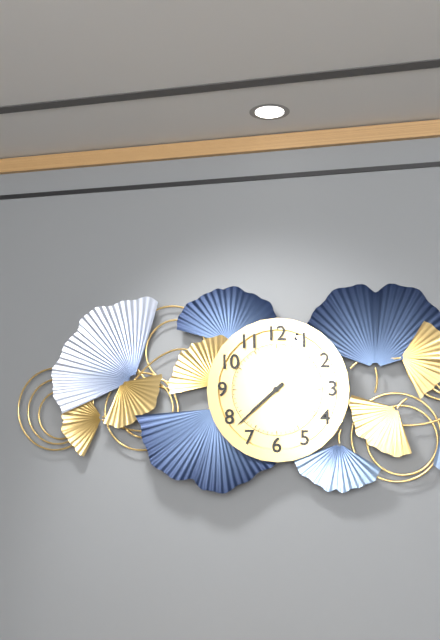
h=7 m=38
